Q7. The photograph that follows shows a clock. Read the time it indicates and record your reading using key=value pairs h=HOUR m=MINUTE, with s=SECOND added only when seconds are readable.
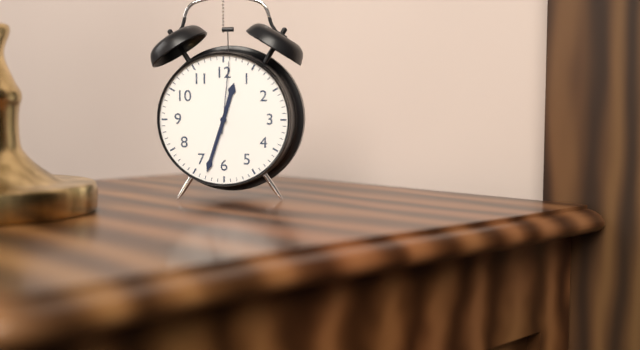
h=12 m=33 s=1
